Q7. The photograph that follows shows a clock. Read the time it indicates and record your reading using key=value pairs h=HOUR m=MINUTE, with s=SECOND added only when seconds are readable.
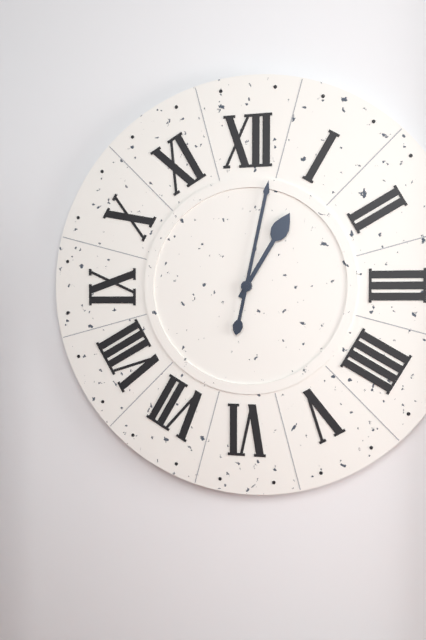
h=1 m=2
